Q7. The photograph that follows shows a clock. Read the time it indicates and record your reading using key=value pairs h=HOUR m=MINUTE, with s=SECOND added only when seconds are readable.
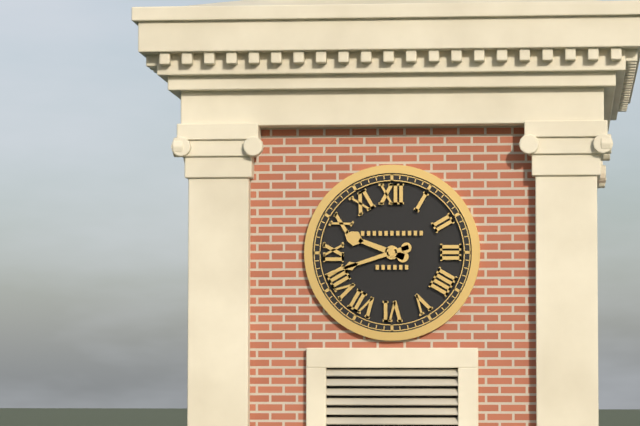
h=9 m=42
